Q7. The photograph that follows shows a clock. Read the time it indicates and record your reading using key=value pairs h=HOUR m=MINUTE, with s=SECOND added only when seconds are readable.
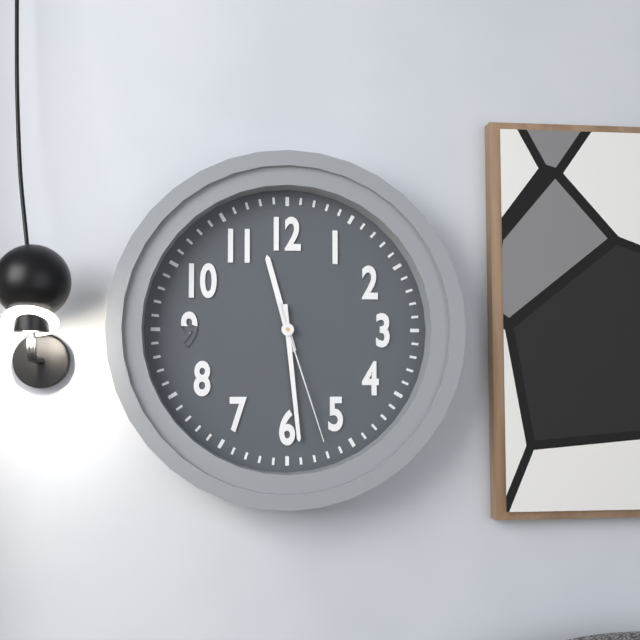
h=11 m=29 s=27
